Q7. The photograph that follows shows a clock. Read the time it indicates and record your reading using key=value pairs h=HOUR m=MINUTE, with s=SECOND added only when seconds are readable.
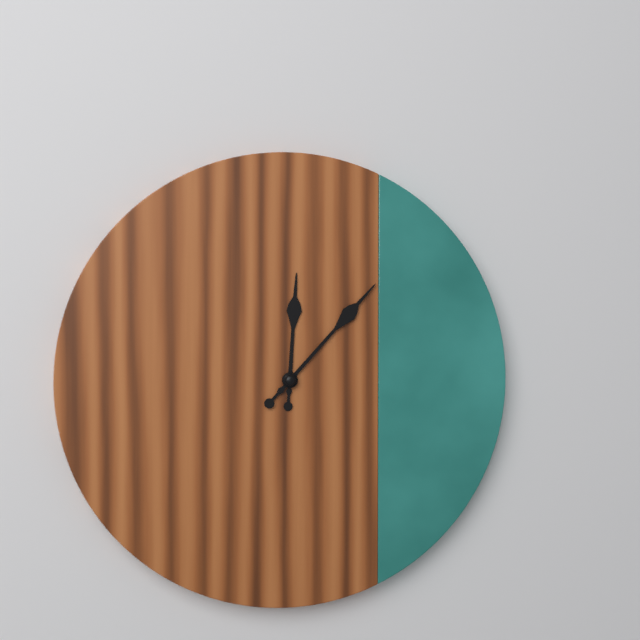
h=12 m=7
